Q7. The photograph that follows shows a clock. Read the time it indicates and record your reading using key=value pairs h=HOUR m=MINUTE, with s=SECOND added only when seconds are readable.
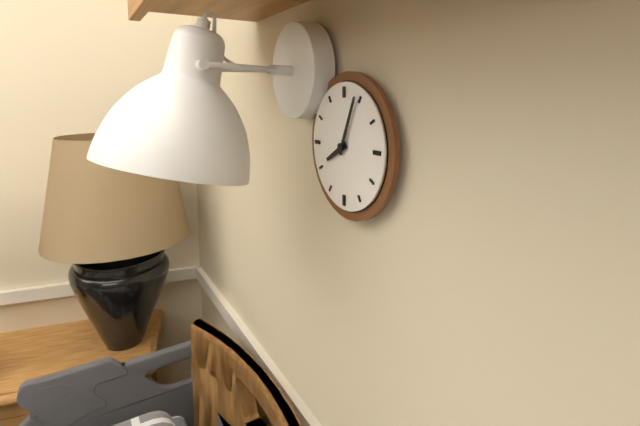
h=8 m=4
